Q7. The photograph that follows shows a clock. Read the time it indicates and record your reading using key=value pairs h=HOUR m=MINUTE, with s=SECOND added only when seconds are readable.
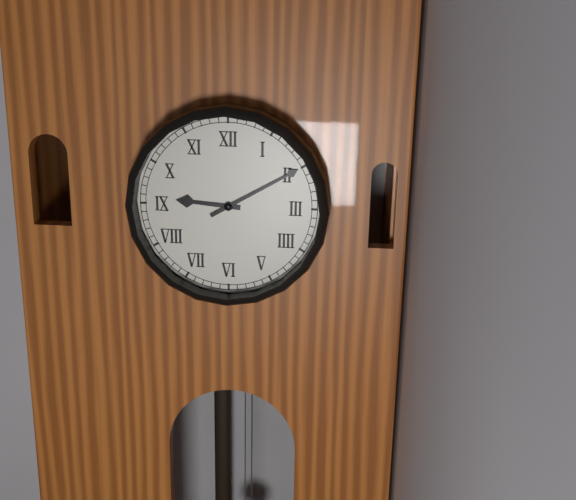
h=9 m=10
